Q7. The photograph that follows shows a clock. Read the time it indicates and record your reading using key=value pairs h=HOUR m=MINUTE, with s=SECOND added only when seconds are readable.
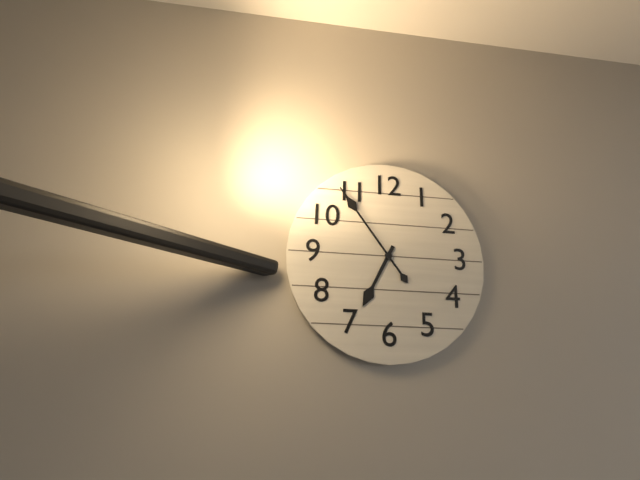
h=6 m=54
